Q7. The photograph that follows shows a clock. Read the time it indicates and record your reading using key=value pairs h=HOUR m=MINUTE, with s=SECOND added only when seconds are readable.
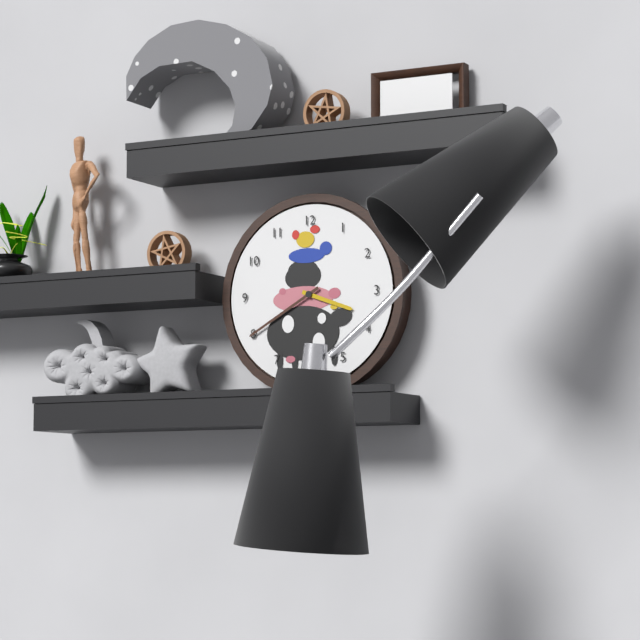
h=3 m=40
